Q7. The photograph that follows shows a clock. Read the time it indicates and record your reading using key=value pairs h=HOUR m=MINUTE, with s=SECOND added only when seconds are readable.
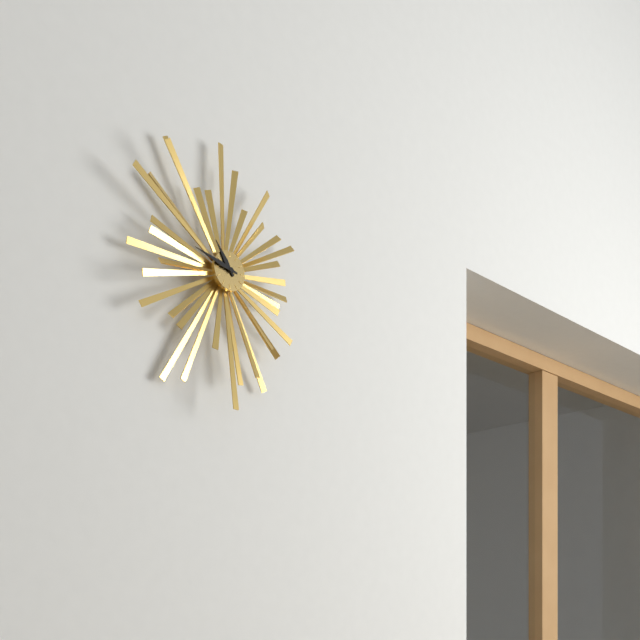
h=10 m=47
